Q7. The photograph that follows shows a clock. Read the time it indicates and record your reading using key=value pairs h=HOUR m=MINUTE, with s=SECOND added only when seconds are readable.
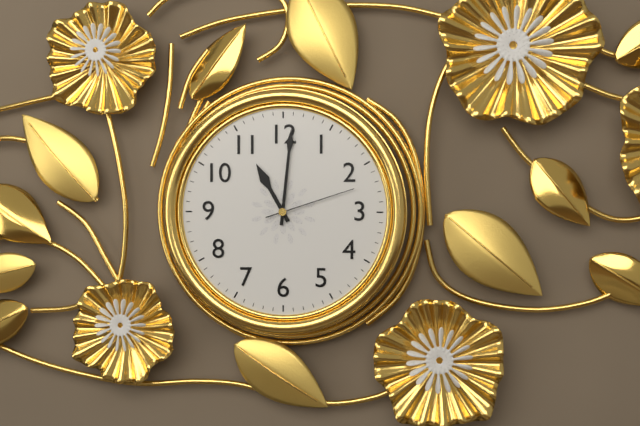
h=11 m=1 s=12
